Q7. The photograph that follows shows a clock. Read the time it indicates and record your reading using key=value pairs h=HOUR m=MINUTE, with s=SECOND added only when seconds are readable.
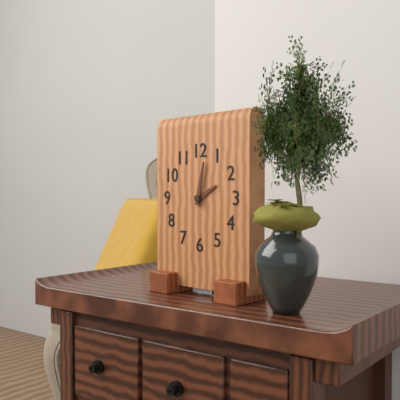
h=2 m=2
